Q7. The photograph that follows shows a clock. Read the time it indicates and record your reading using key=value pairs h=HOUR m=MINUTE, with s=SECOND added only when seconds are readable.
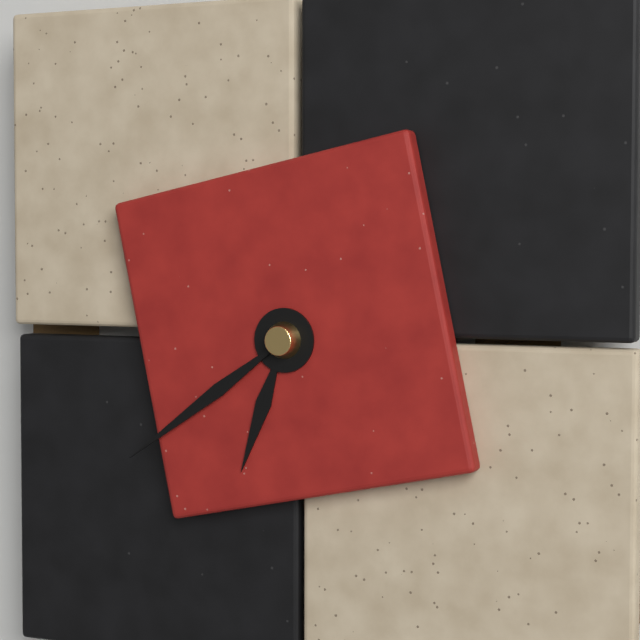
h=6 m=39
